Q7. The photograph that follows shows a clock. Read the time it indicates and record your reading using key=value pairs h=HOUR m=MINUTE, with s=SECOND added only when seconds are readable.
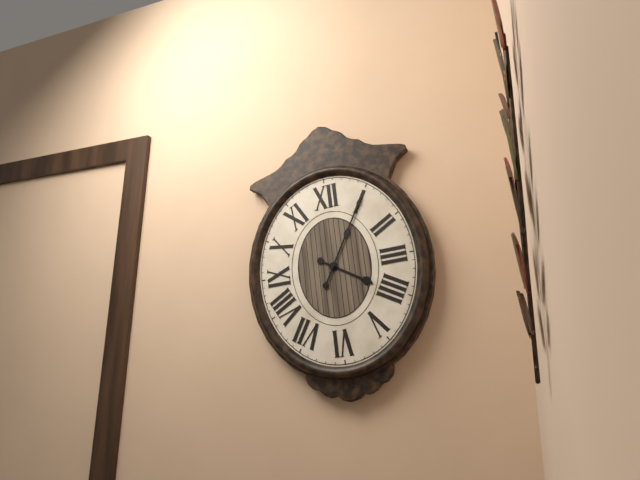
h=4 m=5
